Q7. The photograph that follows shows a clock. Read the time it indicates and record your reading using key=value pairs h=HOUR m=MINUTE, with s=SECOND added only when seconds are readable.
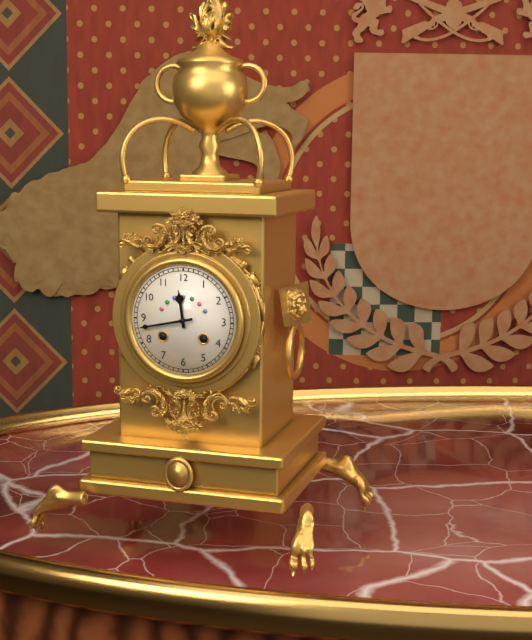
h=11 m=43
